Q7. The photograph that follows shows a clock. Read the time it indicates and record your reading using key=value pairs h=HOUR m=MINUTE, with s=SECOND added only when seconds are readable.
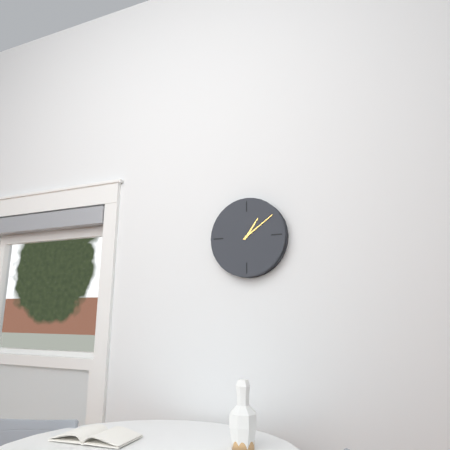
h=1 m=9
